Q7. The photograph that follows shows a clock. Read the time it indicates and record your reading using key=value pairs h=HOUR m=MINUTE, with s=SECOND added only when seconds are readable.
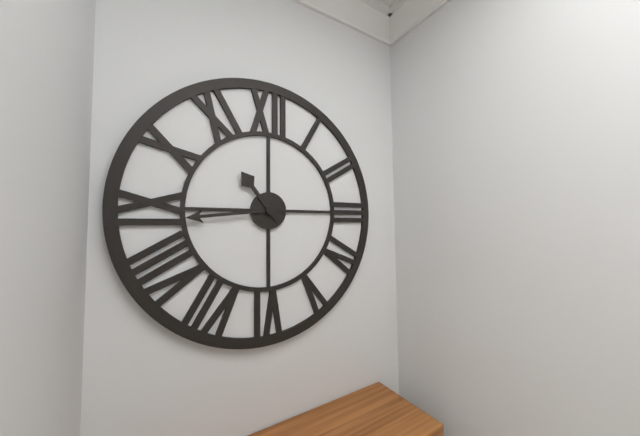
h=10 m=44
